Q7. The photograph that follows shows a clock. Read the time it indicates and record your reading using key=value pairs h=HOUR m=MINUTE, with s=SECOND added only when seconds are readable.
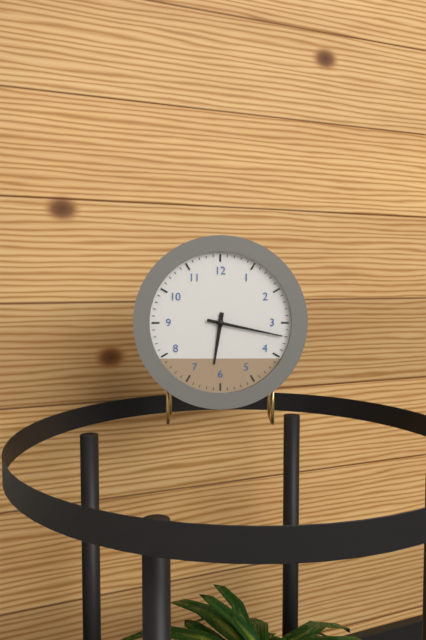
h=6 m=17
